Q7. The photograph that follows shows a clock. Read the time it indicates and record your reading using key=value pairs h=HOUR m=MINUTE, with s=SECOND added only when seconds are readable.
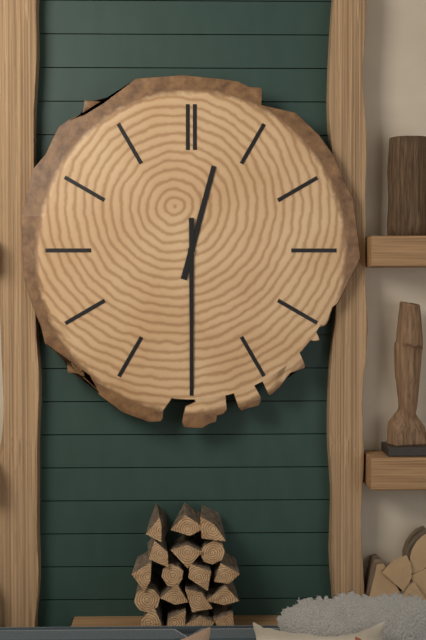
h=12 m=30
